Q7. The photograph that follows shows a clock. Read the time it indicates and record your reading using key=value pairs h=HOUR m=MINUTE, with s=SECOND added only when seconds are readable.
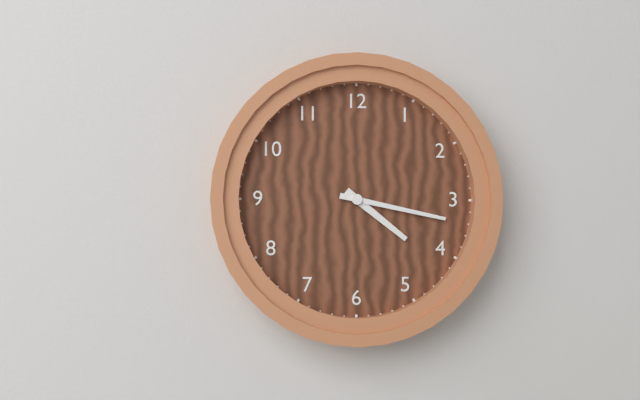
h=4 m=17
